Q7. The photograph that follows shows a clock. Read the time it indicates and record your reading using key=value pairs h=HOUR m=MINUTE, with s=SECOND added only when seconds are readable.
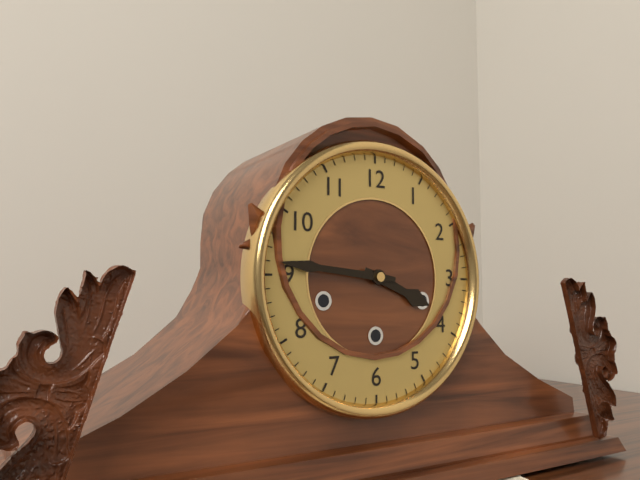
h=3 m=46
